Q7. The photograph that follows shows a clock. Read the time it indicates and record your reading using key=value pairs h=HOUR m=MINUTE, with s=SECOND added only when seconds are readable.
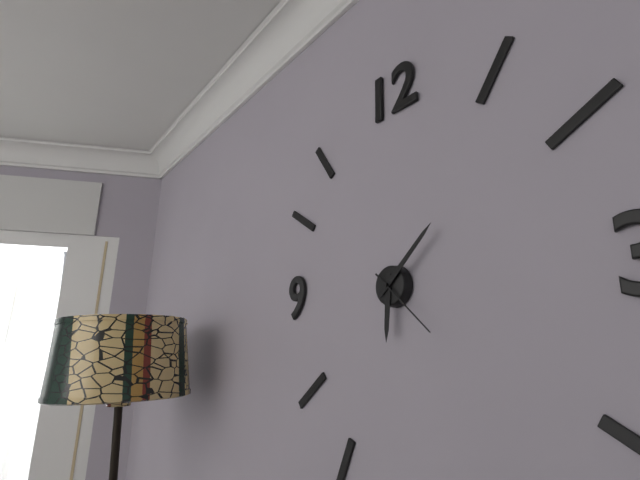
h=6 m=8 s=22
